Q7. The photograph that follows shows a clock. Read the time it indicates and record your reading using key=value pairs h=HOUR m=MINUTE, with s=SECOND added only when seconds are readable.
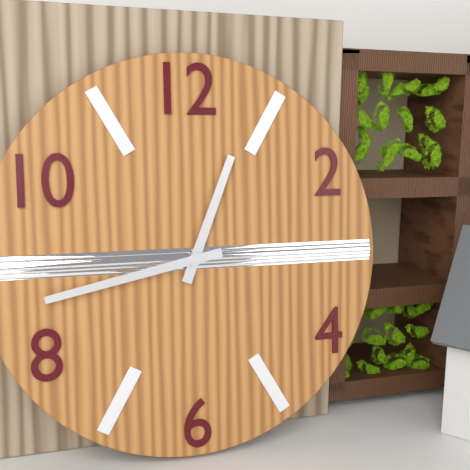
h=12 m=43
